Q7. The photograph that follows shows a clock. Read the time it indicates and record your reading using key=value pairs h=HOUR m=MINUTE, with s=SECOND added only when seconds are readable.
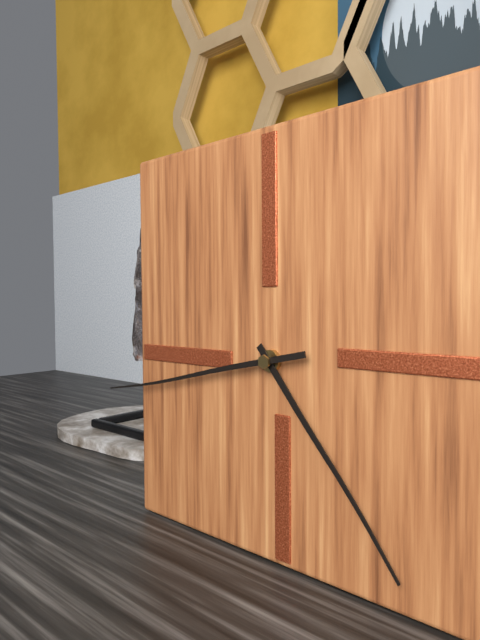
h=4 m=43
